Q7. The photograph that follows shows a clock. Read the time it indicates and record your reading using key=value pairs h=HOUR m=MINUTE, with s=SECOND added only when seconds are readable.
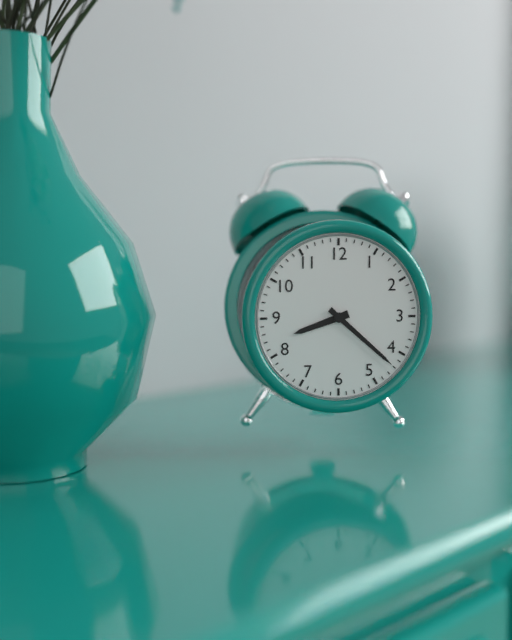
h=8 m=22
